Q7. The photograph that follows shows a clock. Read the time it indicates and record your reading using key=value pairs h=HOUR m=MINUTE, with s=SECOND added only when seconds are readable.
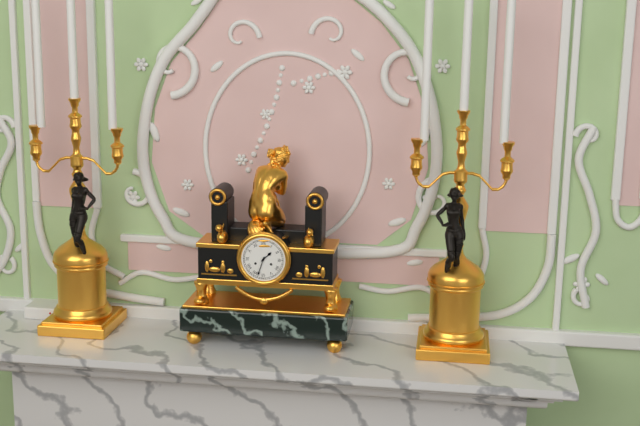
h=1 m=33
